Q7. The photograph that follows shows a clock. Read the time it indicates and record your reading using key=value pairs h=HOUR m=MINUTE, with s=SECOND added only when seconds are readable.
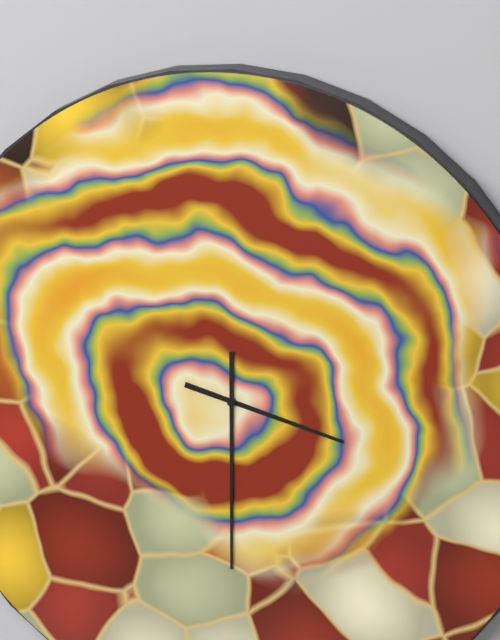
h=3 m=30
